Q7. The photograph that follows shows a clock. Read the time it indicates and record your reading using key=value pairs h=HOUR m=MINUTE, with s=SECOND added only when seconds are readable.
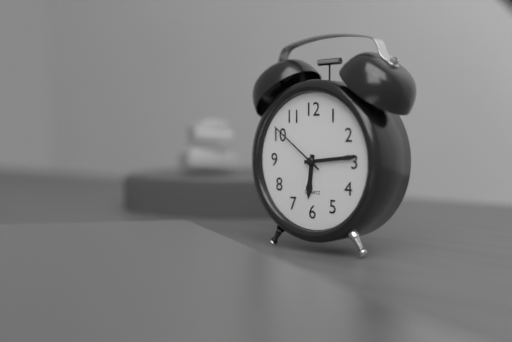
h=6 m=14 s=51
